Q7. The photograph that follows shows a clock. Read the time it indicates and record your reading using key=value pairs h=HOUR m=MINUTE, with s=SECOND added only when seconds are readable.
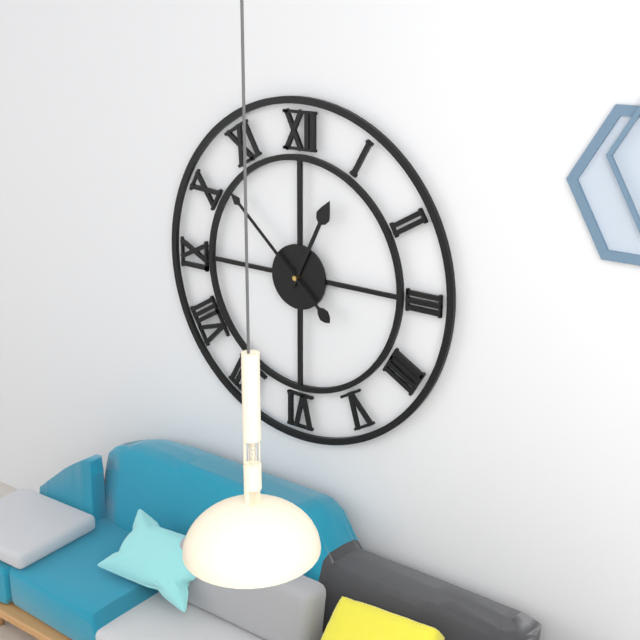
h=12 m=52
